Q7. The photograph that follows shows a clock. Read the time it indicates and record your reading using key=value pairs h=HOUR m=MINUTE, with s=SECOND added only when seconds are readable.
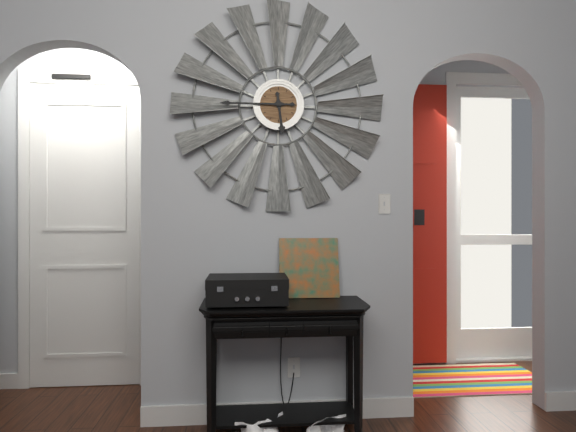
h=5 m=45
